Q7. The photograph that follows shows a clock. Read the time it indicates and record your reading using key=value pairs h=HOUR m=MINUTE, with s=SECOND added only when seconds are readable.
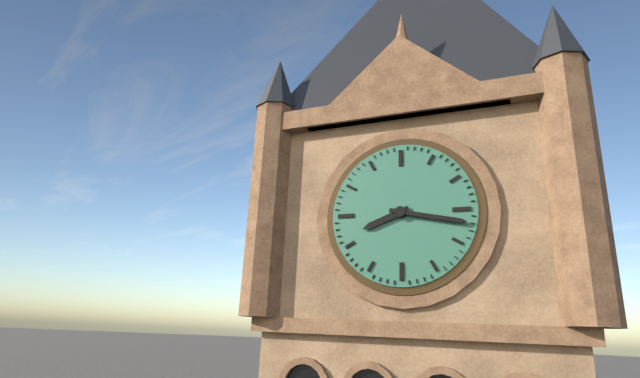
h=8 m=17
